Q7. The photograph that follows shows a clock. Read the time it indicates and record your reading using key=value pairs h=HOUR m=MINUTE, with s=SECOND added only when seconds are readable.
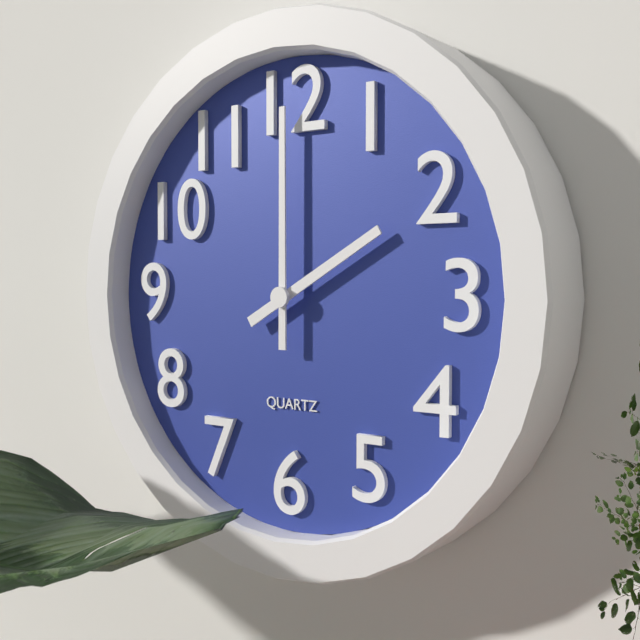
h=2 m=0
